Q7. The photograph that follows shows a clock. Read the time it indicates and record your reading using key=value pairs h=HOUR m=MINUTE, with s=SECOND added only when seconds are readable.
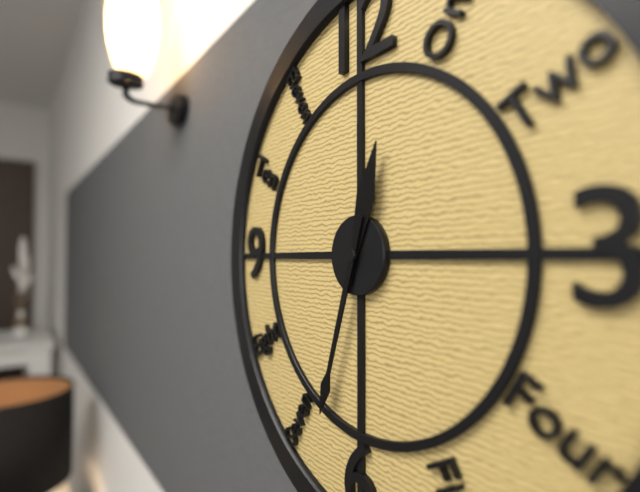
h=12 m=33
